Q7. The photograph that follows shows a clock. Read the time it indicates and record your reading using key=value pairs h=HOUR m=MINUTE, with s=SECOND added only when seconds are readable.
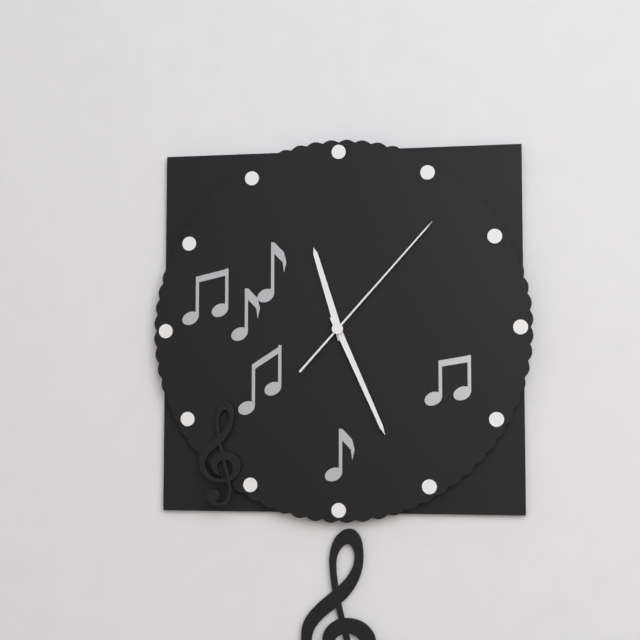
h=11 m=26 s=7
